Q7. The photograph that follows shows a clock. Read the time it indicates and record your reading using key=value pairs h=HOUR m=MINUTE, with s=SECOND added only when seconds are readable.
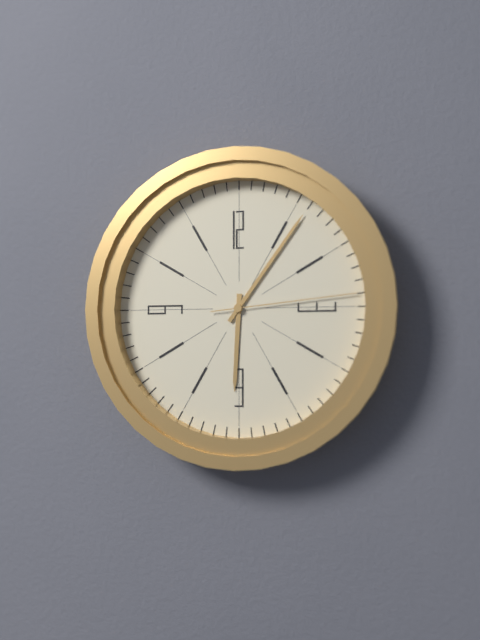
h=6 m=6 s=14
